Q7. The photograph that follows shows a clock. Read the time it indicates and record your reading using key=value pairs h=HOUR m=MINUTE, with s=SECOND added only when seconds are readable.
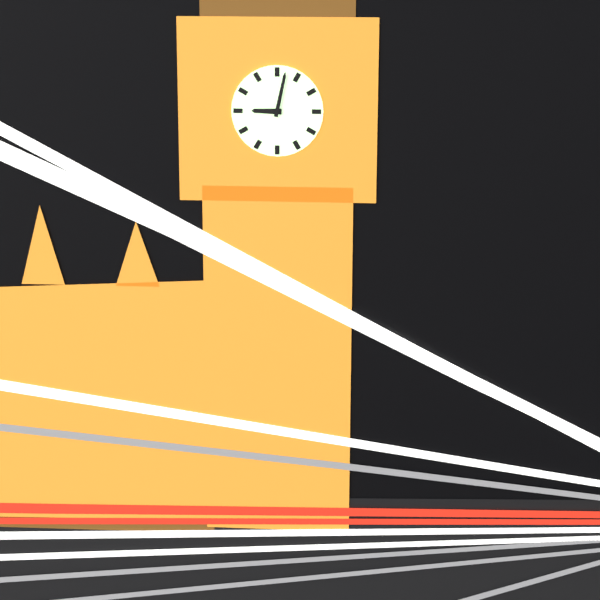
h=9 m=2
